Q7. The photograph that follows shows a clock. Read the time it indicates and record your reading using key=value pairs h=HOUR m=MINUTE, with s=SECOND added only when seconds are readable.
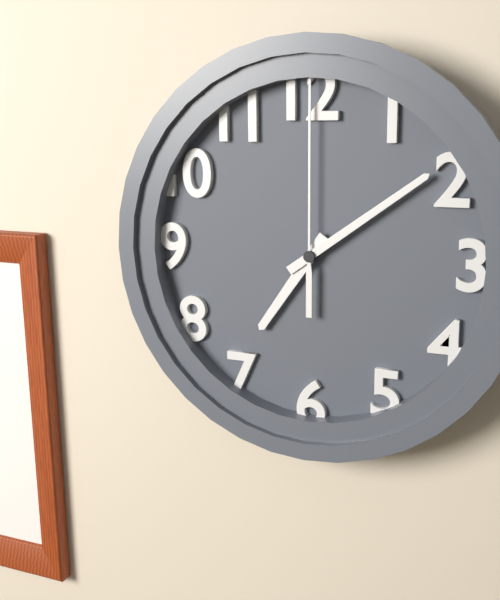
h=7 m=9 s=0
